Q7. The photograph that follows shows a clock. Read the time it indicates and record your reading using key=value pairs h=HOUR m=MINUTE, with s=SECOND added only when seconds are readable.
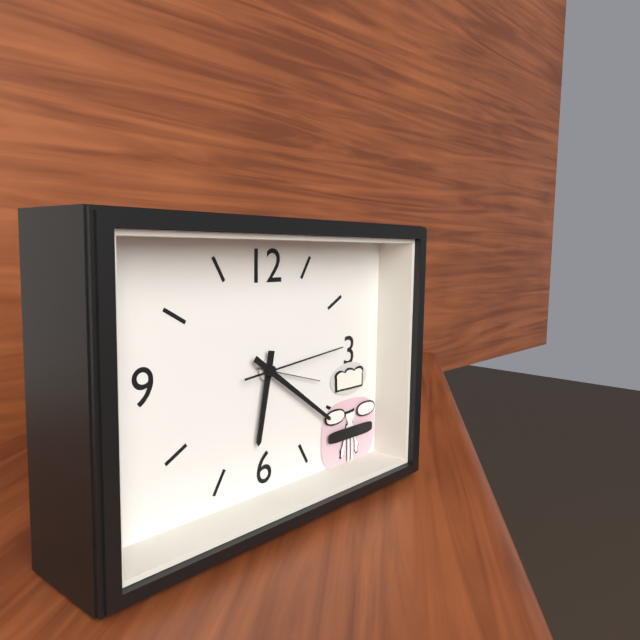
h=6 m=21 s=14
